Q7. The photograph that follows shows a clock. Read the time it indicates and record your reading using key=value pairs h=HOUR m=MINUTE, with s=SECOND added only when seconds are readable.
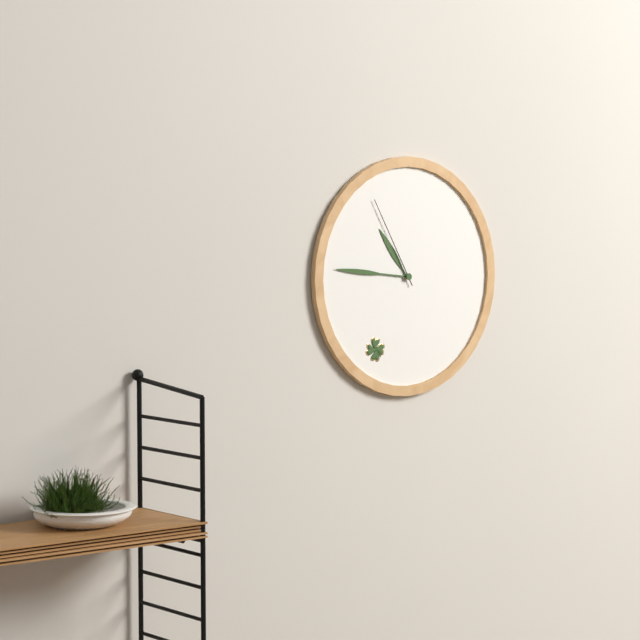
h=10 m=46 s=55
